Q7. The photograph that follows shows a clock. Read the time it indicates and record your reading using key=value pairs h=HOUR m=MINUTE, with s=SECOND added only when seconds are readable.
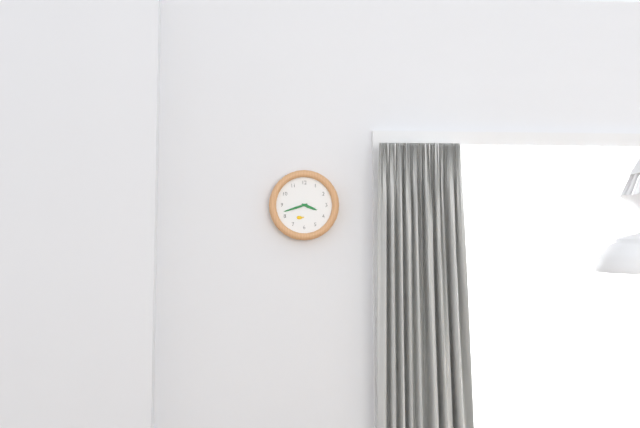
h=3 m=42
